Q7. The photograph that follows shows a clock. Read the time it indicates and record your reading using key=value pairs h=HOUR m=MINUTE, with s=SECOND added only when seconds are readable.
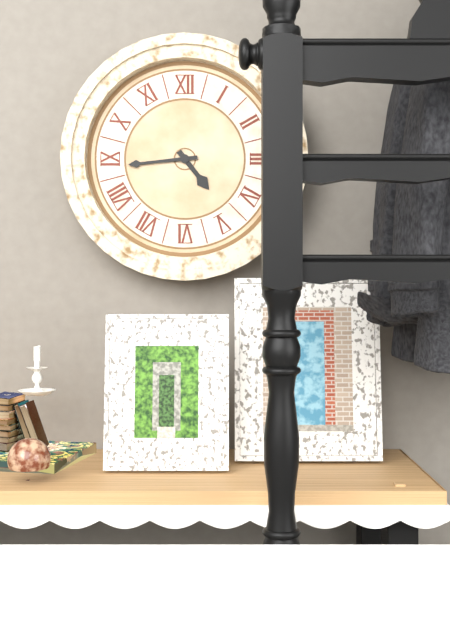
h=4 m=44
